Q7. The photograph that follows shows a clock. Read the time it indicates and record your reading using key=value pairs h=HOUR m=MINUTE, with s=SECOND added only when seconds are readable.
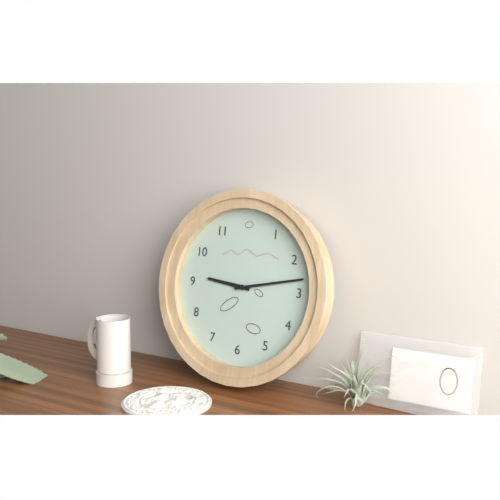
h=9 m=13
